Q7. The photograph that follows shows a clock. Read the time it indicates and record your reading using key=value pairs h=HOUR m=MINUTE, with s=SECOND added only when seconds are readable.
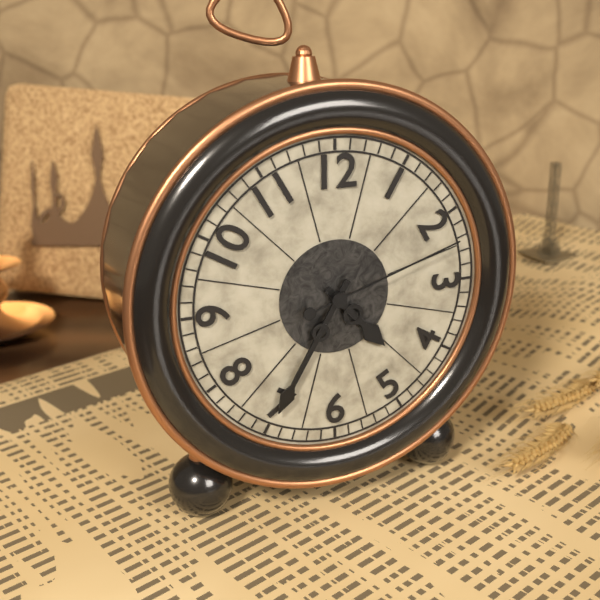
h=4 m=35 s=12
